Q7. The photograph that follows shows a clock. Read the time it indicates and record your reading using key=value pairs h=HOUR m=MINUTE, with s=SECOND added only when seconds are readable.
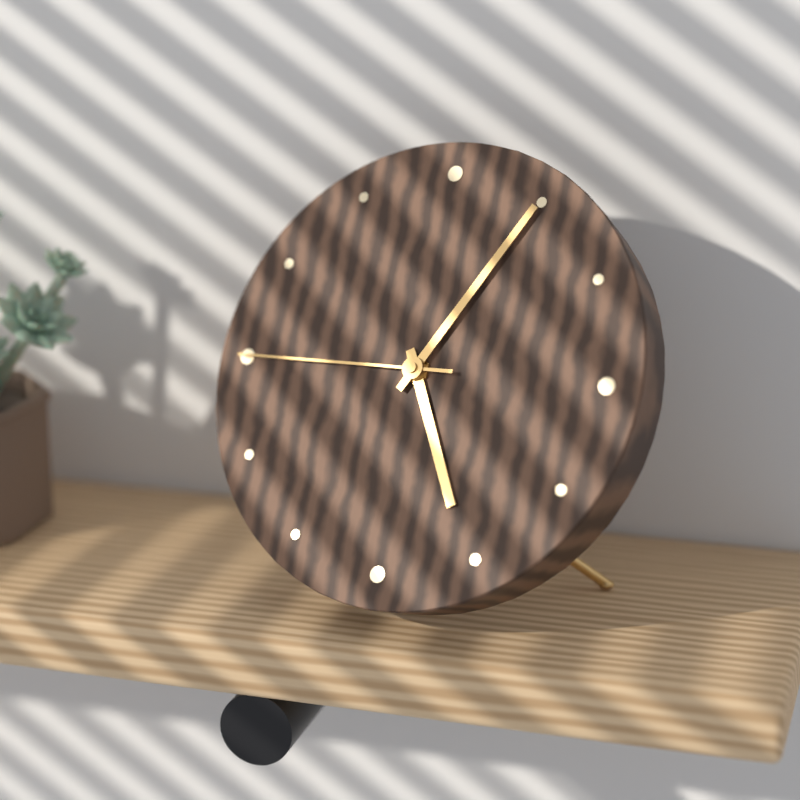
h=5 m=5 s=45
